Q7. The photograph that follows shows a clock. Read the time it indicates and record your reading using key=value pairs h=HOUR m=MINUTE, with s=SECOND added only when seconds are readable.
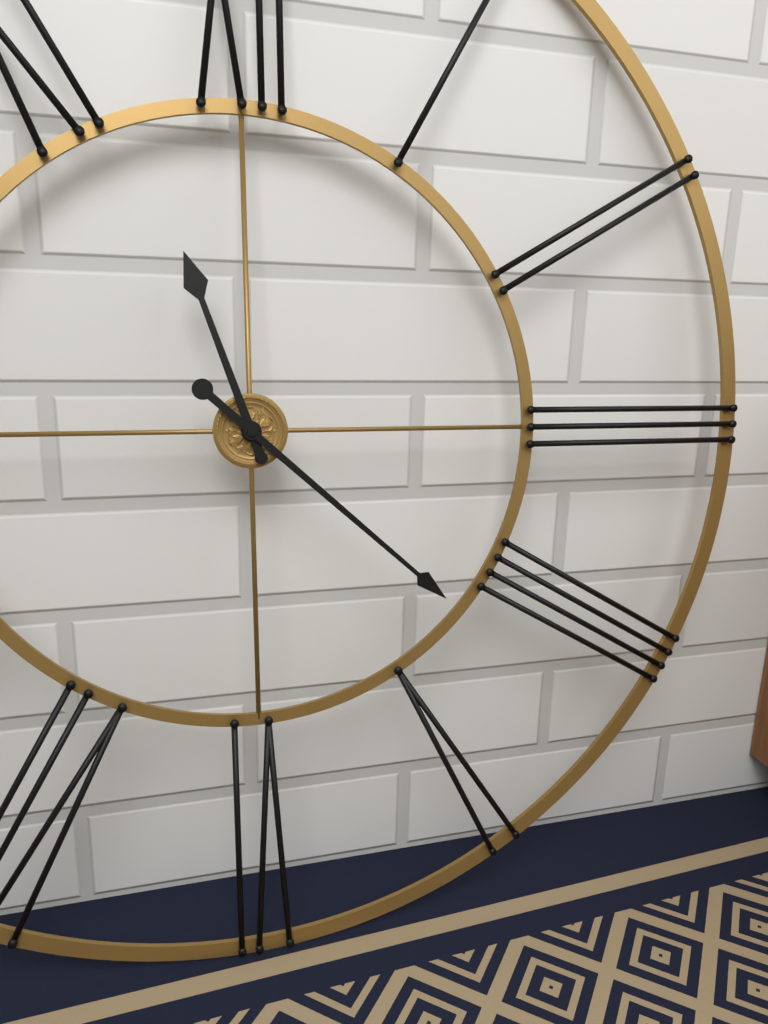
h=11 m=22
